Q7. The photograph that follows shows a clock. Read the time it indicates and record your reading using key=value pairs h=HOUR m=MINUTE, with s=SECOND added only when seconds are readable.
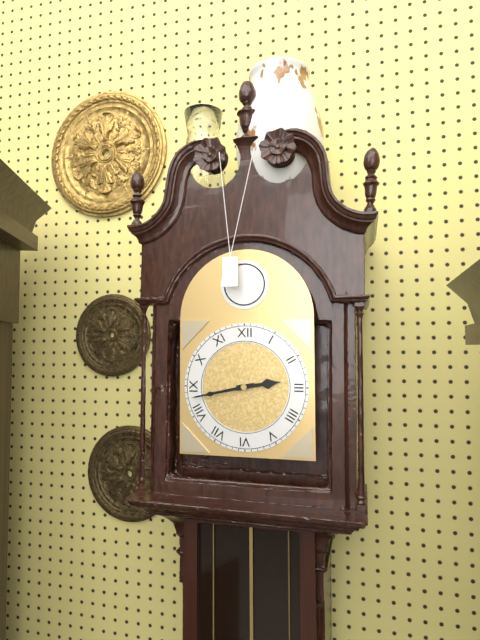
h=2 m=43
